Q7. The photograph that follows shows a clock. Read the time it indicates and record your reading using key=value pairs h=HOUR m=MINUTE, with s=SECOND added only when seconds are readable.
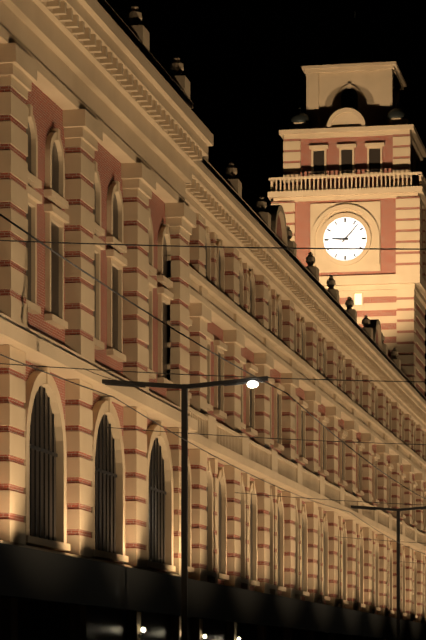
h=9 m=7
